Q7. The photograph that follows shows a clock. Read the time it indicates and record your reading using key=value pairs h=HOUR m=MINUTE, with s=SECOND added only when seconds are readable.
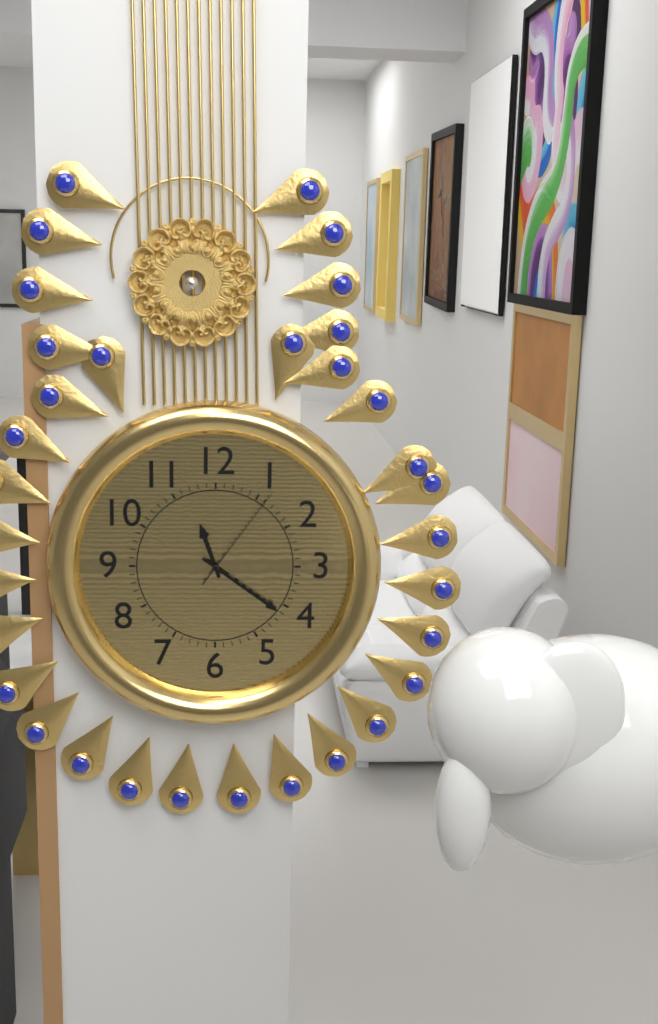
h=11 m=21 s=6
